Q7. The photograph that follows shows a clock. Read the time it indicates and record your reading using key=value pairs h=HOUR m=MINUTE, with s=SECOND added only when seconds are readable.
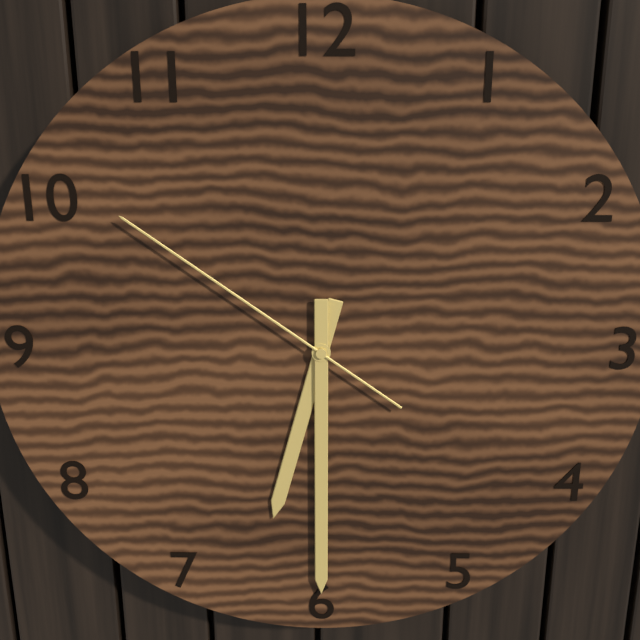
h=6 m=30 s=51
